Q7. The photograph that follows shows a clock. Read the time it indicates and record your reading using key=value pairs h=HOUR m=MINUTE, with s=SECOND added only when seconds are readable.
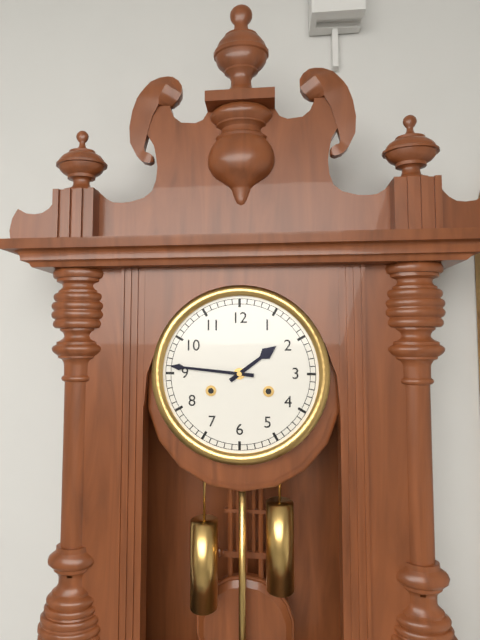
h=1 m=46
